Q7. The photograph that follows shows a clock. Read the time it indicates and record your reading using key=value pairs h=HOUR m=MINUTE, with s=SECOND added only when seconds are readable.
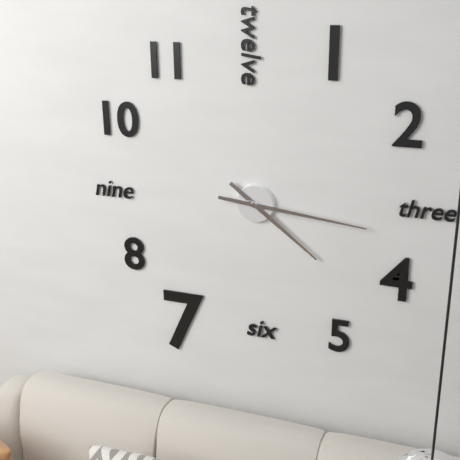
h=4 m=16
